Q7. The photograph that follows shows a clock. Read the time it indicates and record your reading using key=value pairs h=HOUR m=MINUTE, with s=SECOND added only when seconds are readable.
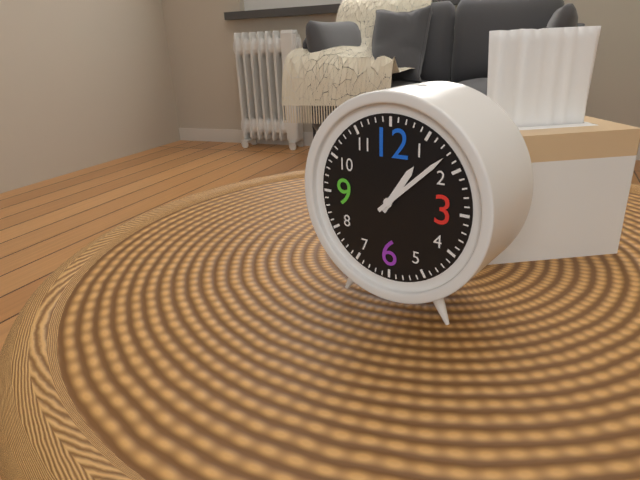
h=1 m=8
